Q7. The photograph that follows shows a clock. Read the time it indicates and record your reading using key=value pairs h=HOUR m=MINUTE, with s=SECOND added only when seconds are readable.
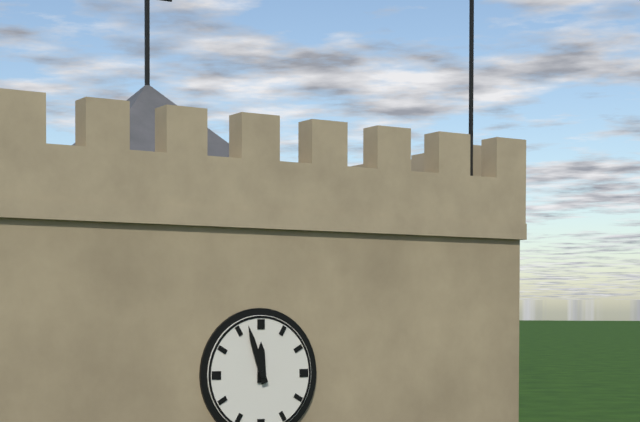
h=11 m=57
